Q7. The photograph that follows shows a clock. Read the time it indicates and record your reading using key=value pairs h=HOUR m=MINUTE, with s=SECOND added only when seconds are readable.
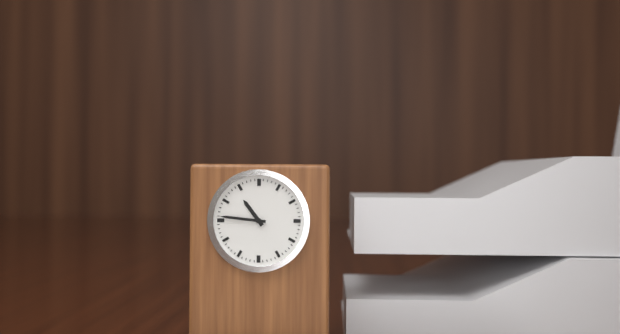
h=10 m=46
